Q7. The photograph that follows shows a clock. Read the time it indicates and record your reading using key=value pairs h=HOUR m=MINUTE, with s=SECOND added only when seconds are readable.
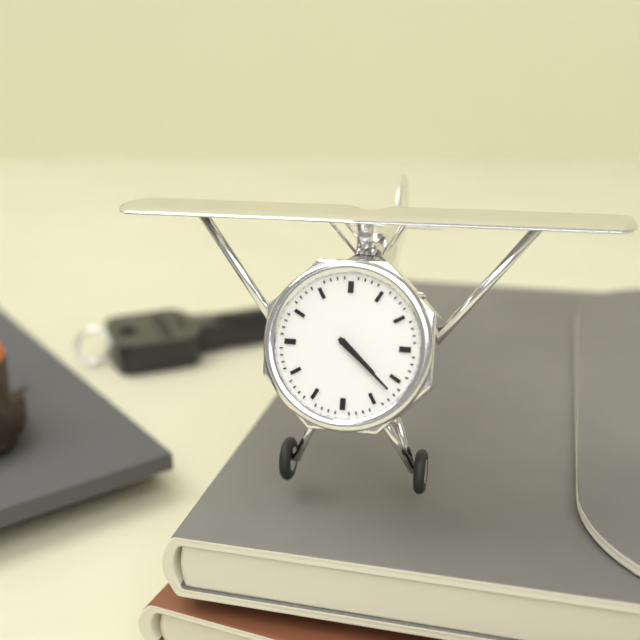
h=4 m=22
